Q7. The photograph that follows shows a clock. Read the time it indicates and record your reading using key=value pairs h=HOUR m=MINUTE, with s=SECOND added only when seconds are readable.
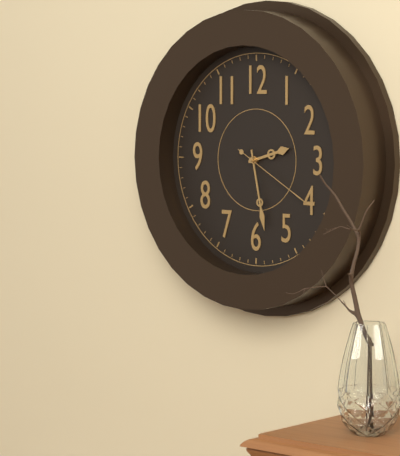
h=2 m=28 s=20
